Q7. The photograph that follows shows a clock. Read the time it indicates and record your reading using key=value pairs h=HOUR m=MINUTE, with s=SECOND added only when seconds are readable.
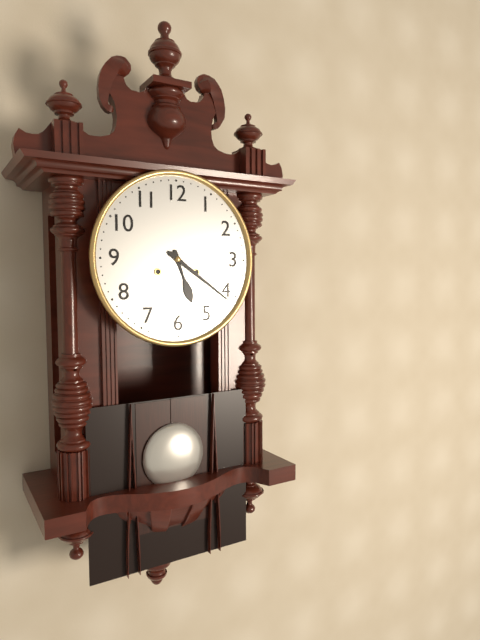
h=5 m=21
